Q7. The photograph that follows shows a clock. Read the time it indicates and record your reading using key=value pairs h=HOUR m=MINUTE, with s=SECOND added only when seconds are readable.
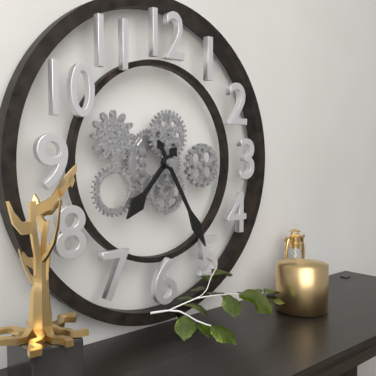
h=7 m=25
